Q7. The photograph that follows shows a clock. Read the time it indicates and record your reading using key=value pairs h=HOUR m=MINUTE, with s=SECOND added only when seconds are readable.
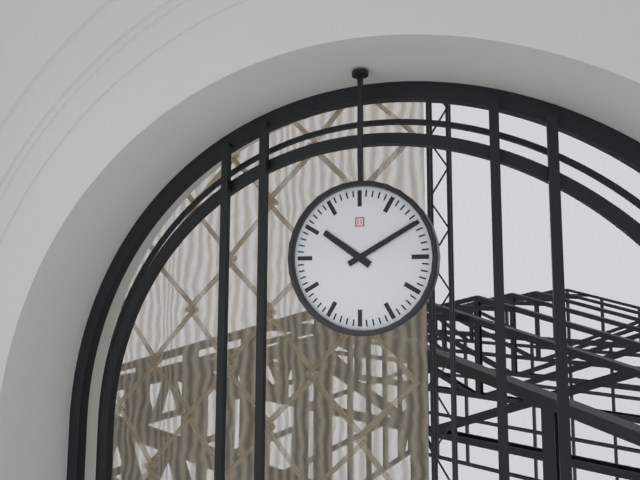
h=10 m=10
